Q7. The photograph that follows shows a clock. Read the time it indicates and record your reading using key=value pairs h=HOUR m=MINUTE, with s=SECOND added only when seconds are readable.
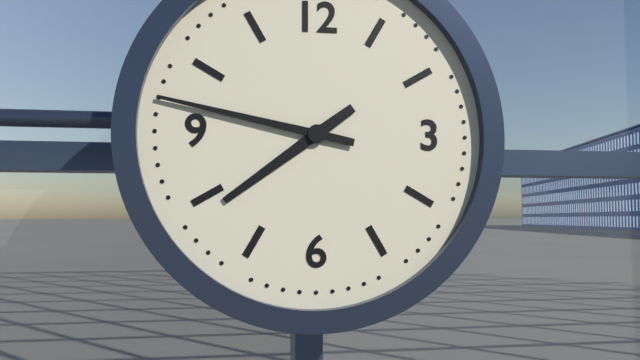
h=7 m=47
